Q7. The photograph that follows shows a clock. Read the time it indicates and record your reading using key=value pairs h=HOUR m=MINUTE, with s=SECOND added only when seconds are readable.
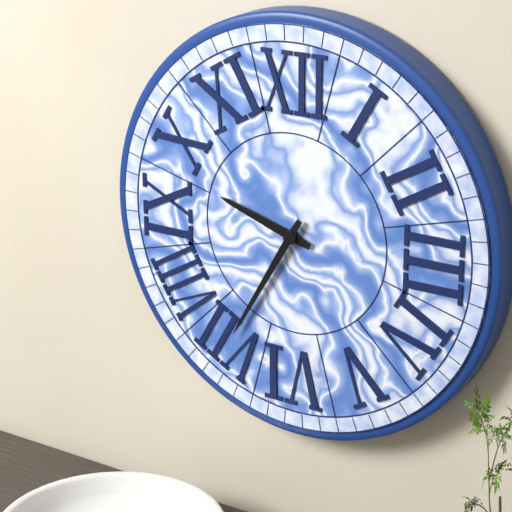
h=9 m=35
